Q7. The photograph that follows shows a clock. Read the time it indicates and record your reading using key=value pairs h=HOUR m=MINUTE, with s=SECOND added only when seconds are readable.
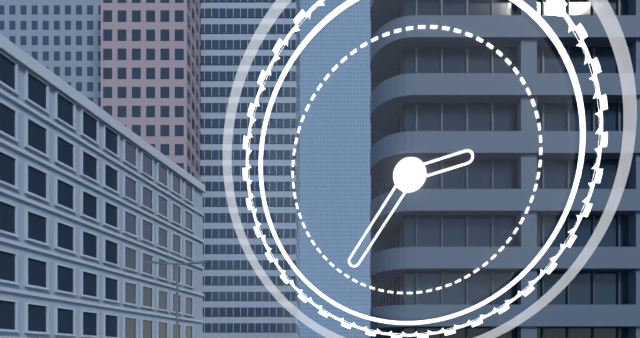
h=2 m=36
